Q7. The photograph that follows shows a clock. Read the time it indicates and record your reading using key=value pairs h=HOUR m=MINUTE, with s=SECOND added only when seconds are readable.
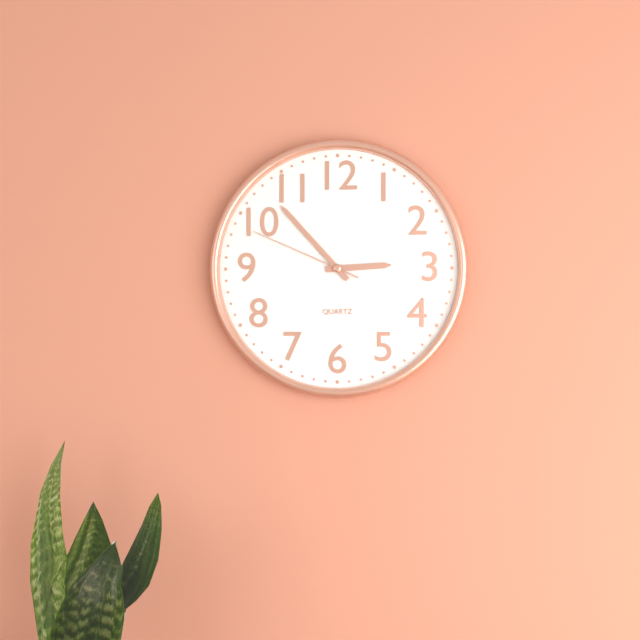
h=2 m=53 s=49
